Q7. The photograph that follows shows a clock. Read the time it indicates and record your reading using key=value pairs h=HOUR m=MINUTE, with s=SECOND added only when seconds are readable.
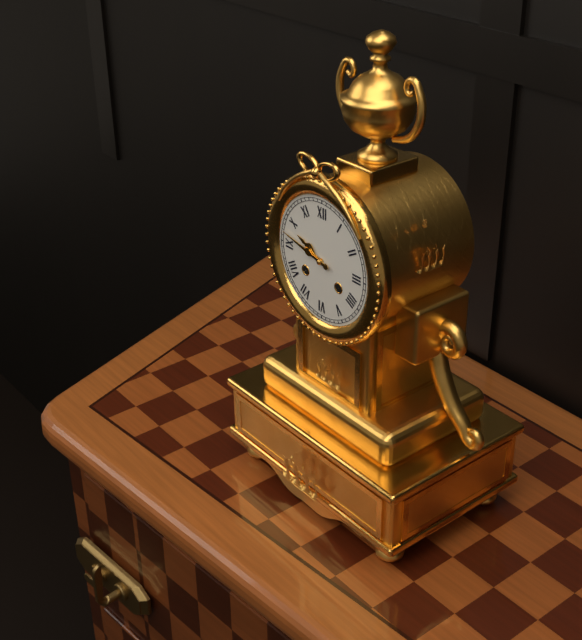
h=9 m=47
